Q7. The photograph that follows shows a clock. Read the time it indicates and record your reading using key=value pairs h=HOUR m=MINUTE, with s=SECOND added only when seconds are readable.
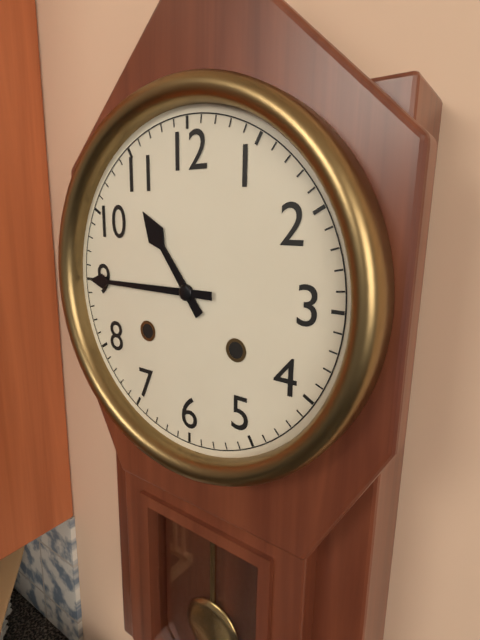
h=10 m=45
